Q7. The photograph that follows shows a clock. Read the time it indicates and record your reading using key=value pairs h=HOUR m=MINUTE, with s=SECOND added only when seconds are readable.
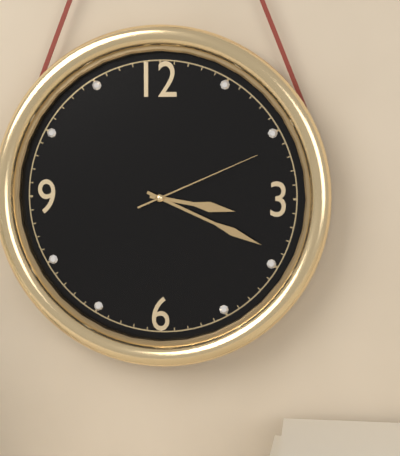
h=3 m=19 s=11
